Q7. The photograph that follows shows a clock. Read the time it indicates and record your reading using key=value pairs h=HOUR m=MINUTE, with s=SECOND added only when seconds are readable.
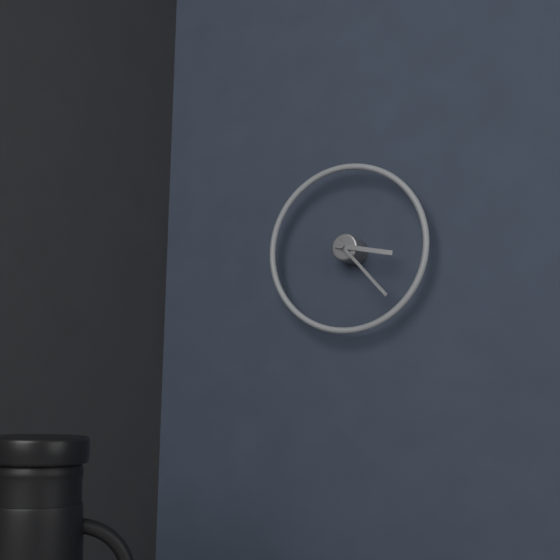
h=3 m=23
